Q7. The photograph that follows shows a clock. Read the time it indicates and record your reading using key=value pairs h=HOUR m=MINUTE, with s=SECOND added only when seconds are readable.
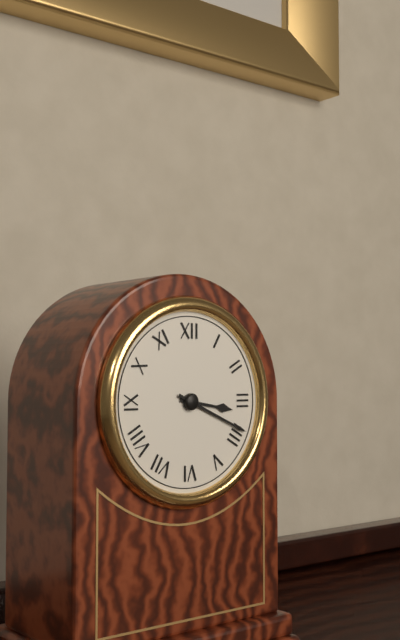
h=3 m=19
